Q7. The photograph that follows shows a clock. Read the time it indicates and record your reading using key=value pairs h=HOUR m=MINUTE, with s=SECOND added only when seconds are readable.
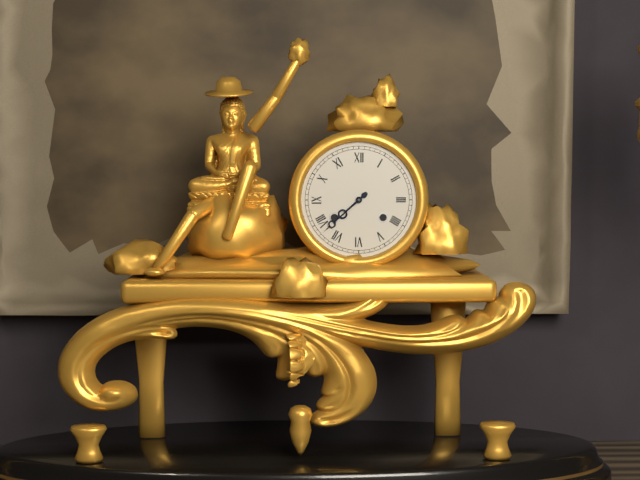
h=7 m=38
